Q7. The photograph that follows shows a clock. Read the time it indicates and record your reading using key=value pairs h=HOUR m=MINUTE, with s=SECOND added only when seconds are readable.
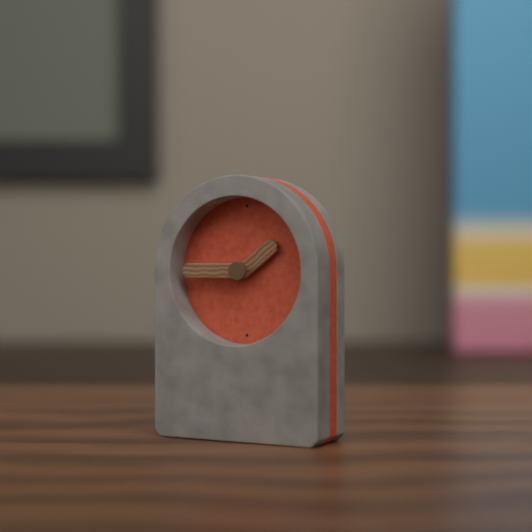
h=1 m=45
